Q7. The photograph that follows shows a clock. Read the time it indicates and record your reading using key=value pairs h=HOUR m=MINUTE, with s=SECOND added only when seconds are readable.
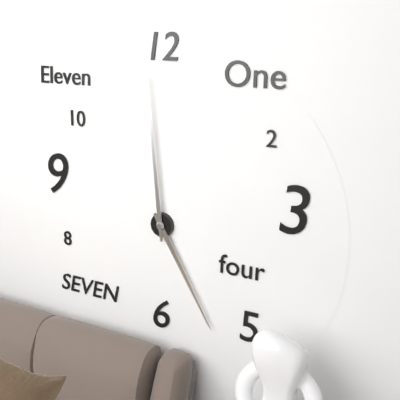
h=4 m=59
